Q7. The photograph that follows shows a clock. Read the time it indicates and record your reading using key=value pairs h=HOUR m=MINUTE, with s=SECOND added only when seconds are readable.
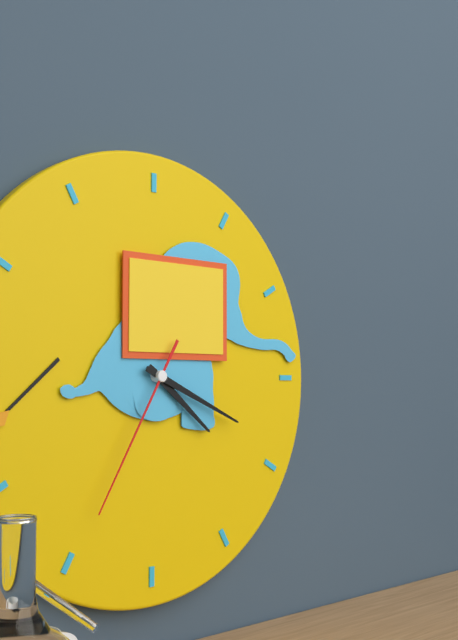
h=4 m=19 s=35
